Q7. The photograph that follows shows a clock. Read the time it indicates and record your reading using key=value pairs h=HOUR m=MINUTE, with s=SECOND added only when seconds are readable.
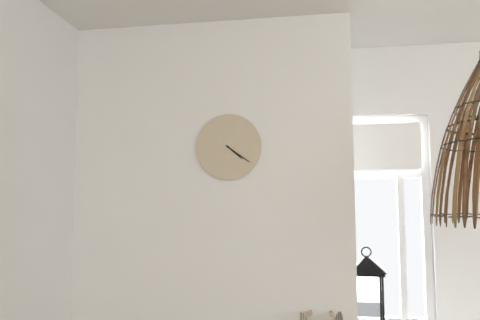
h=4 m=21
